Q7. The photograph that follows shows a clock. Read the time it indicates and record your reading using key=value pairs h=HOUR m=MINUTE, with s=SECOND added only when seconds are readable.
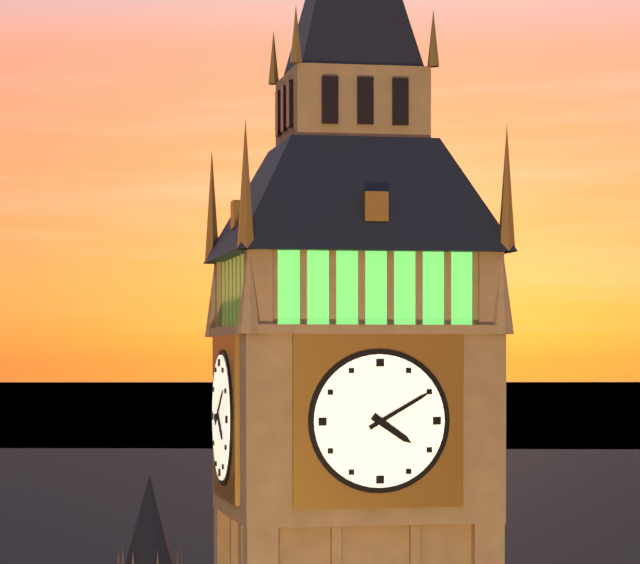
h=4 m=10
